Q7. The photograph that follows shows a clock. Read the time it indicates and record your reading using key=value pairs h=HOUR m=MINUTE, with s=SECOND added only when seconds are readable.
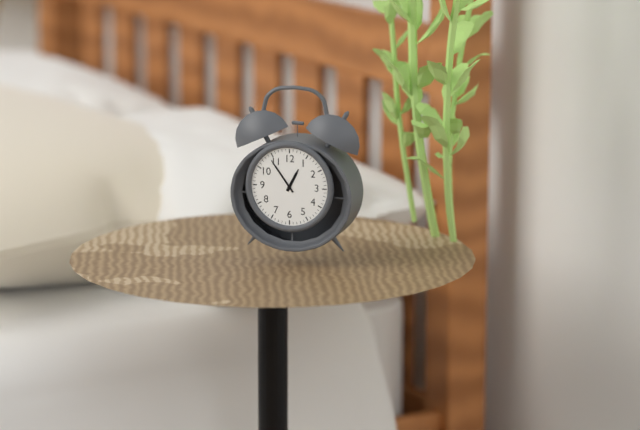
h=12 m=54
